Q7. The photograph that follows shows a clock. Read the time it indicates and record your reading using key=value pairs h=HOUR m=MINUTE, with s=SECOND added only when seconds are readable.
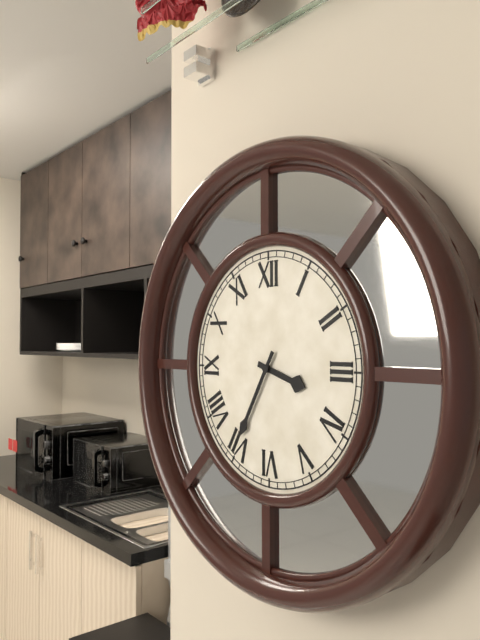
h=3 m=35
